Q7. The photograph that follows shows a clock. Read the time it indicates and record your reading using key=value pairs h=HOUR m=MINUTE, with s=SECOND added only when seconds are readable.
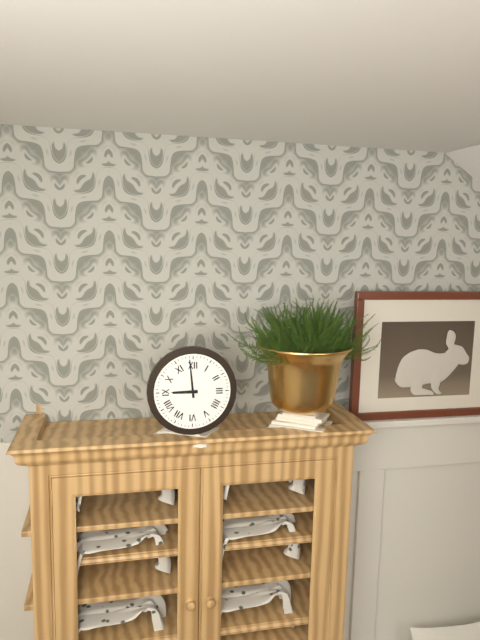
h=8 m=59
